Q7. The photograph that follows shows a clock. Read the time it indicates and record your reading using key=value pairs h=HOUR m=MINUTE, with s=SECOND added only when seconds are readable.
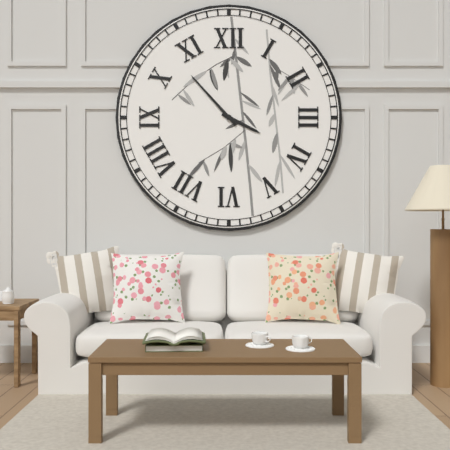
h=3 m=53
